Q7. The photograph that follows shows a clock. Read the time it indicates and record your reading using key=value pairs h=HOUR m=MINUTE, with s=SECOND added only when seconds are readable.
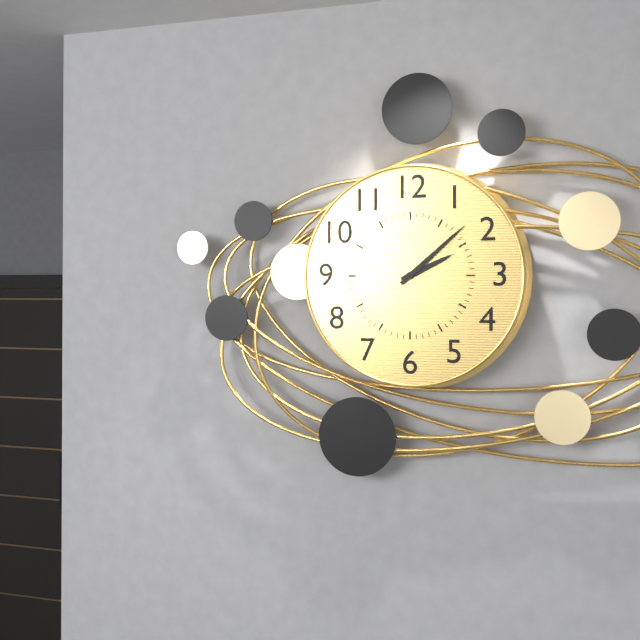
h=2 m=8
